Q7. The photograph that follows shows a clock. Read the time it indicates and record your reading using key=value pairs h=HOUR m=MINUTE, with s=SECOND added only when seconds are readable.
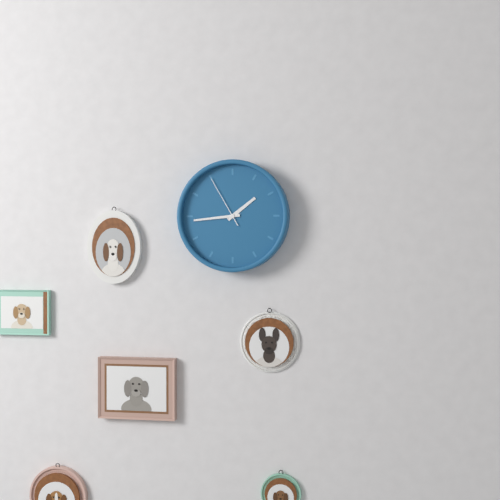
h=1 m=44 s=55
